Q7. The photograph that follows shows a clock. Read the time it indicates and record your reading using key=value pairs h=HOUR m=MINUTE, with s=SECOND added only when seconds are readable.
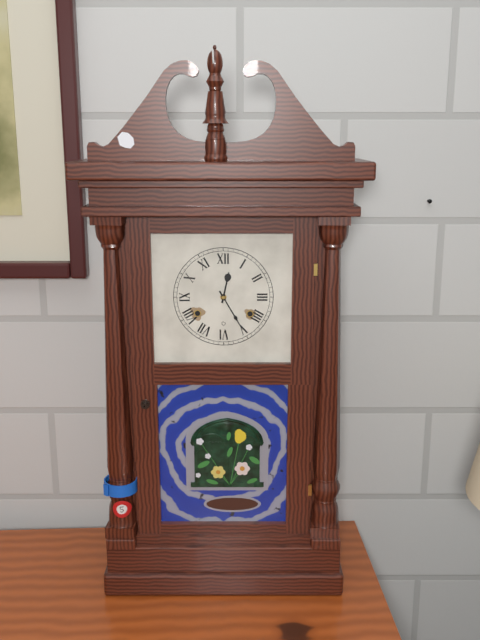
h=12 m=25
